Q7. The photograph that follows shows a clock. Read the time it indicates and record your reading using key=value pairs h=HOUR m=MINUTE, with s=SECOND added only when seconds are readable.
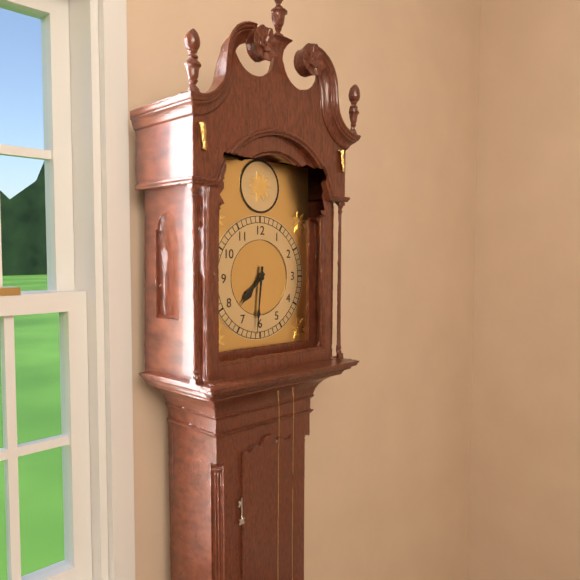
h=7 m=31
